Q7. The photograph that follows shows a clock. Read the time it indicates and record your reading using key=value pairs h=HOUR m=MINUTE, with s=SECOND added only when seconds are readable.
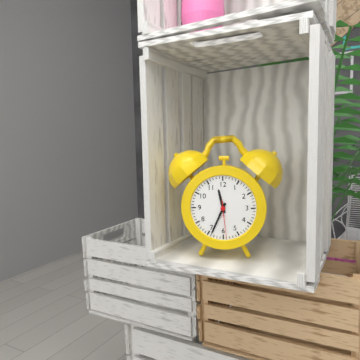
h=11 m=34
